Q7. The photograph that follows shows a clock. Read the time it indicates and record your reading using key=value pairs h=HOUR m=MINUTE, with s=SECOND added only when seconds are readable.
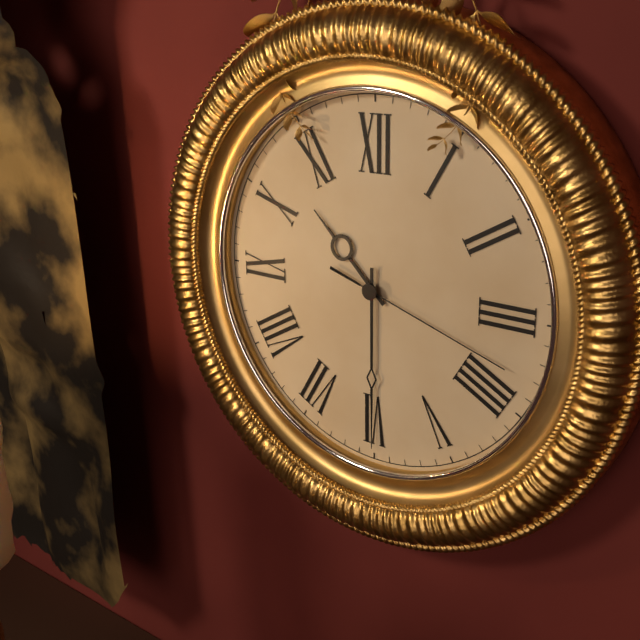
h=10 m=30 s=18
